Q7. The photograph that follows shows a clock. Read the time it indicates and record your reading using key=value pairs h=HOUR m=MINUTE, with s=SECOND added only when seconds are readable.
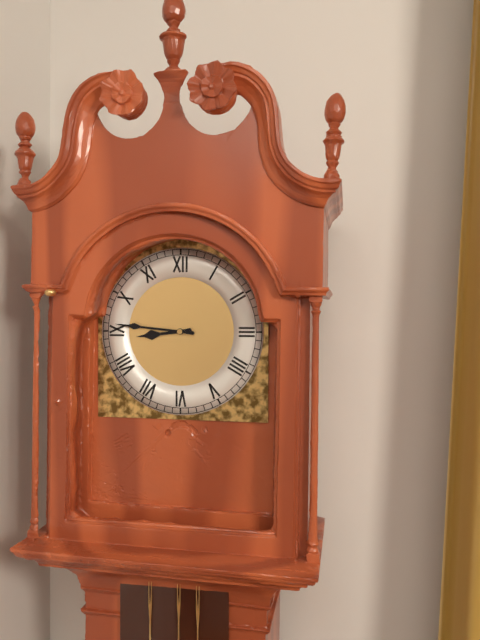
h=8 m=46
